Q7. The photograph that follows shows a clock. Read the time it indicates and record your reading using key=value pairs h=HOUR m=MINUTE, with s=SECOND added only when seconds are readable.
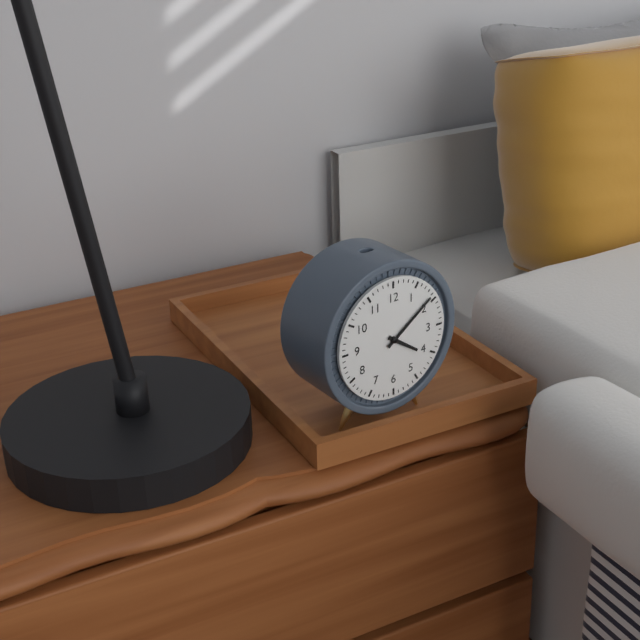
h=4 m=9
